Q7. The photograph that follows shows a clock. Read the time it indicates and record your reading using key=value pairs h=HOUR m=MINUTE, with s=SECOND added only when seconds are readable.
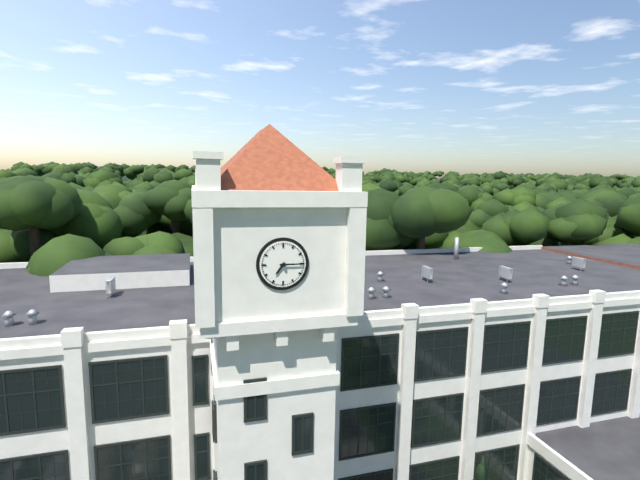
h=7 m=15
